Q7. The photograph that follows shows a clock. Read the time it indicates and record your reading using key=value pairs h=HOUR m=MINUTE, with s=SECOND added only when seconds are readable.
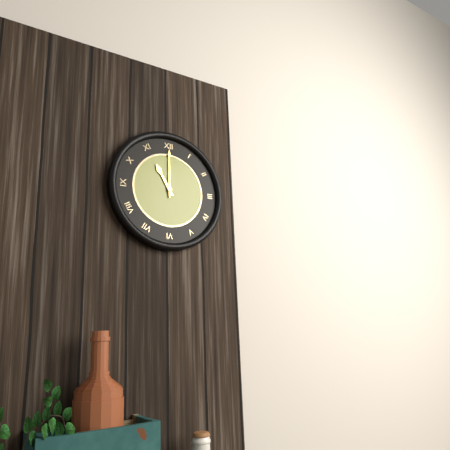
h=11 m=0
